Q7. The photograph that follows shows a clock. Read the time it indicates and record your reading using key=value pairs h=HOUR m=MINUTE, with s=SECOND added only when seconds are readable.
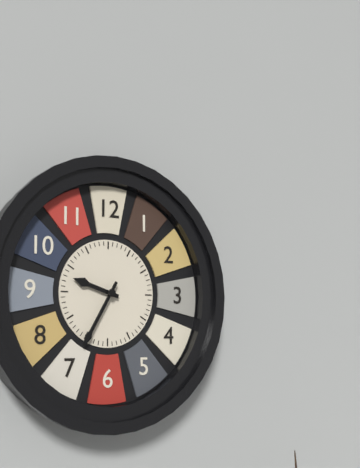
h=9 m=35
